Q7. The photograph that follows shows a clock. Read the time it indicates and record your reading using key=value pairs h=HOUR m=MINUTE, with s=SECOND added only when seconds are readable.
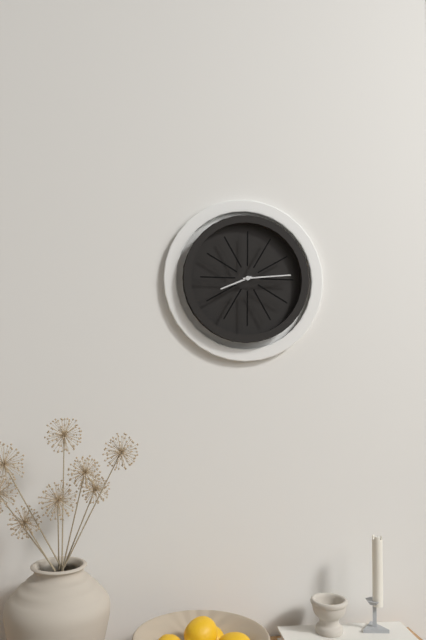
h=8 m=14
